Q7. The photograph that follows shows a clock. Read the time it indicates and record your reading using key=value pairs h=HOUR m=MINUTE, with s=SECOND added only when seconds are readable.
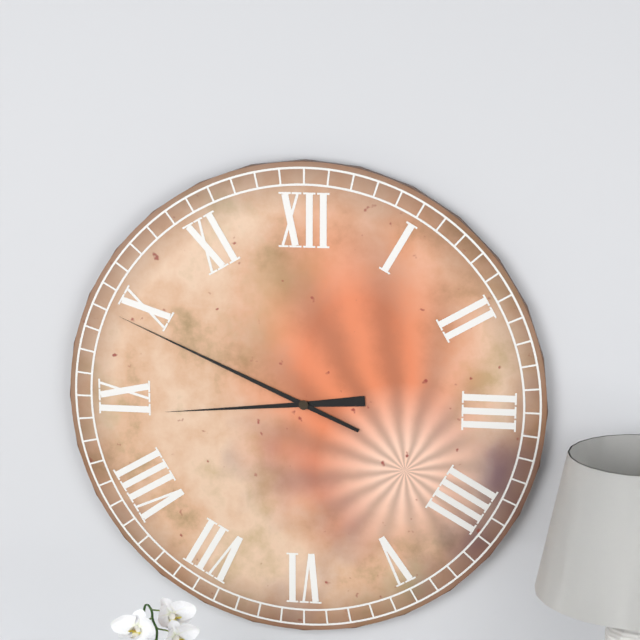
h=8 m=49
